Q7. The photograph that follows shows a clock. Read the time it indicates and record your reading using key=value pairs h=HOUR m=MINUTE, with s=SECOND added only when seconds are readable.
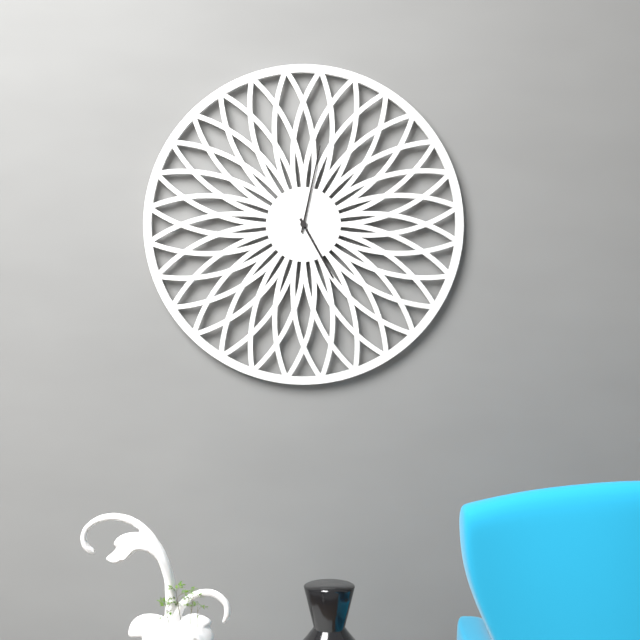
h=5 m=2
